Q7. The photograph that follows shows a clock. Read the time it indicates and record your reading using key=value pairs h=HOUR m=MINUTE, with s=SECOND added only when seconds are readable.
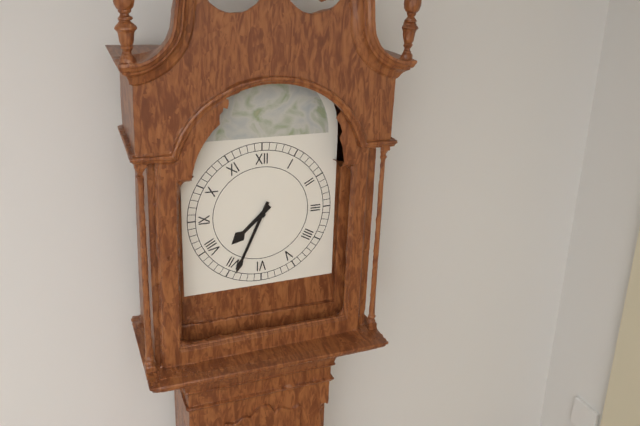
h=7 m=34
